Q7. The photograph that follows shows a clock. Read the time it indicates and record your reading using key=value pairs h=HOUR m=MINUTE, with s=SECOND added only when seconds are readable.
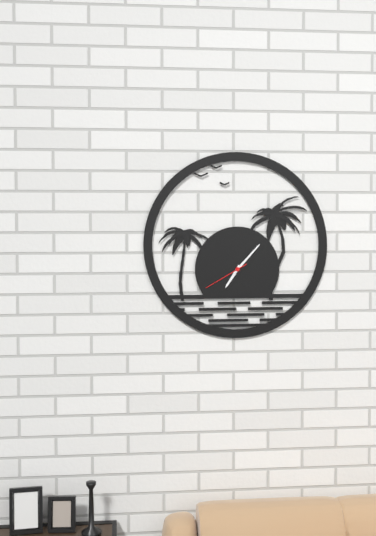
h=7 m=7
